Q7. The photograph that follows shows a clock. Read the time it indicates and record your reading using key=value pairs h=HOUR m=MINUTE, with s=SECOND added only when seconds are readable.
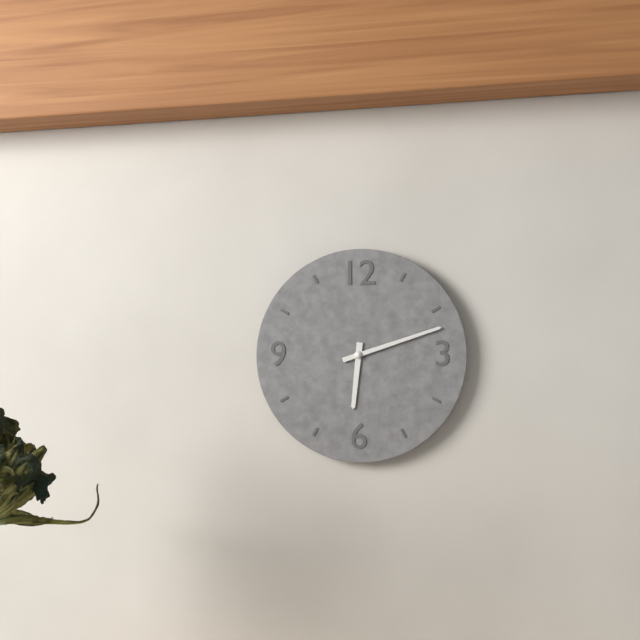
h=6 m=12
